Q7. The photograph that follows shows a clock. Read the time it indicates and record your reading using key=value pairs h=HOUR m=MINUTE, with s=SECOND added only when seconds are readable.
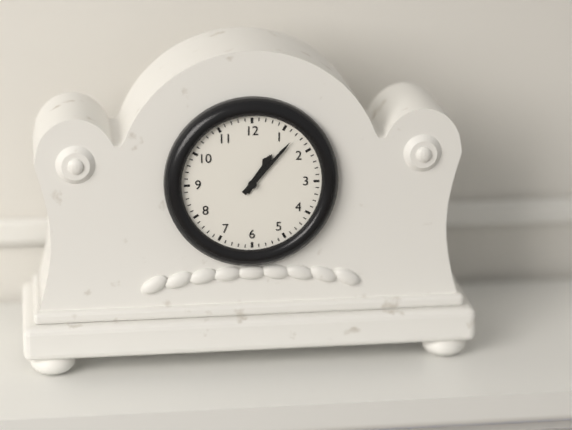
h=1 m=7
